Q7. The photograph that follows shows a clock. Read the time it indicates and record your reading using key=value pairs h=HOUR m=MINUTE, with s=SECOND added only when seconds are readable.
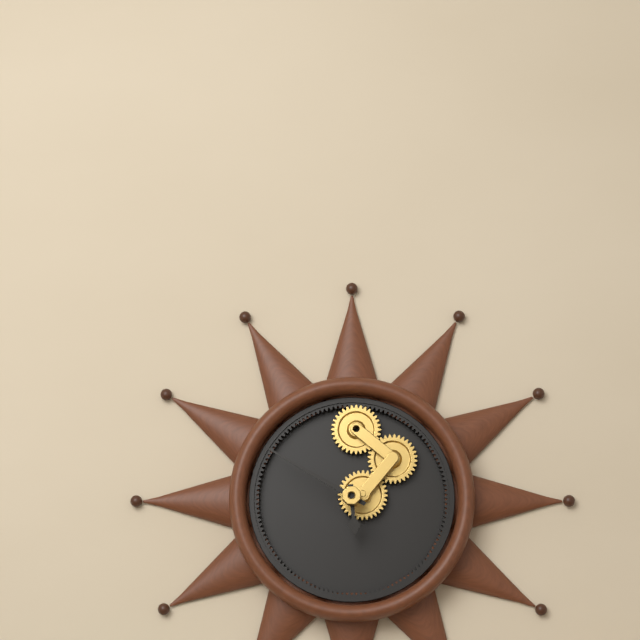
h=5 m=50
